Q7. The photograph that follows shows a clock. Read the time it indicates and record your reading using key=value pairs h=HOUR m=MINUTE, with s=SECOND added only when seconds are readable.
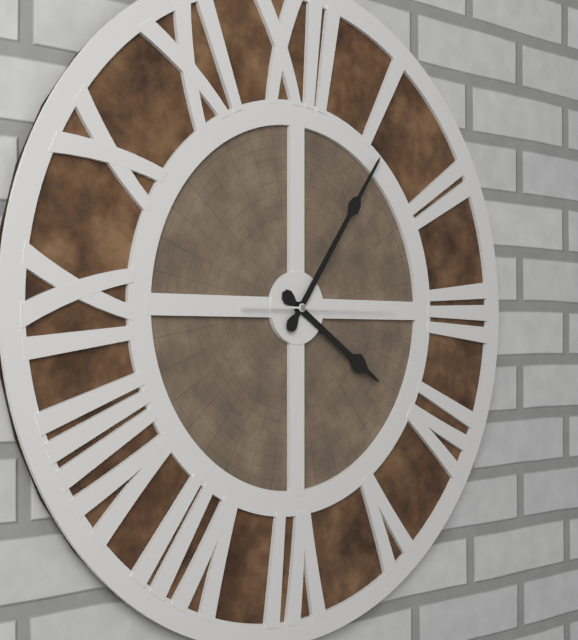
h=4 m=6 s=15
